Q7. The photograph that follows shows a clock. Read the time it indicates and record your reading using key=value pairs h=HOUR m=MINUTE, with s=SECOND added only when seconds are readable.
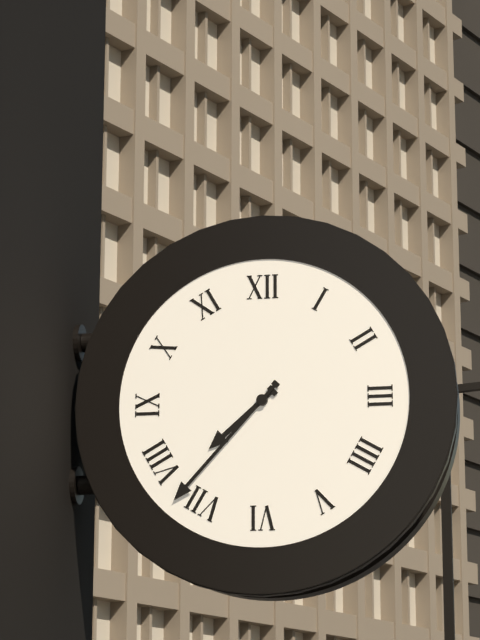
h=7 m=37
